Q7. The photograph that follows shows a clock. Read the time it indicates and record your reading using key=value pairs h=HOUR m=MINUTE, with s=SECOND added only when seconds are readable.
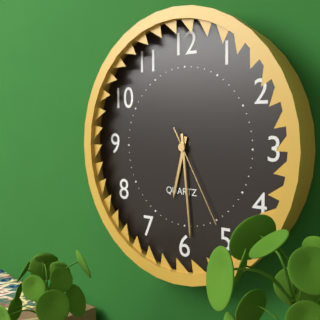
h=6 m=29 s=25
